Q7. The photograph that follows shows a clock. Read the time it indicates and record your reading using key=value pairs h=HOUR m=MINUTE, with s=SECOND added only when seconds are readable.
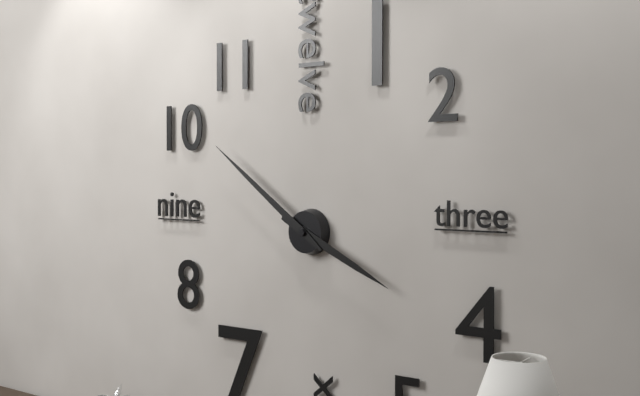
h=3 m=51
